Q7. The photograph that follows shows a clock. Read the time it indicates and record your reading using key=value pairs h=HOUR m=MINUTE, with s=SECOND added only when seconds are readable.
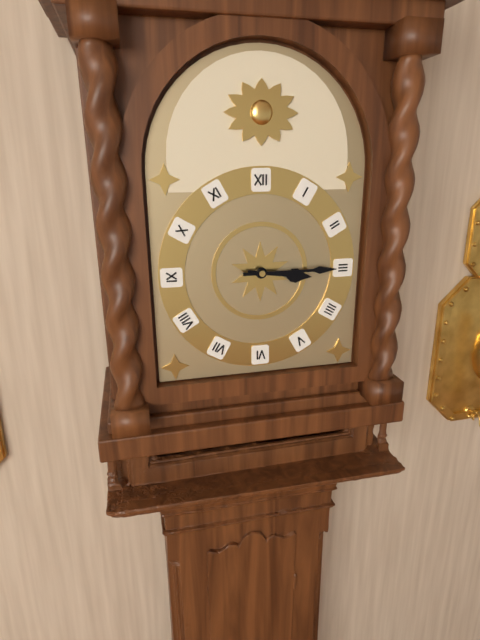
h=3 m=15
